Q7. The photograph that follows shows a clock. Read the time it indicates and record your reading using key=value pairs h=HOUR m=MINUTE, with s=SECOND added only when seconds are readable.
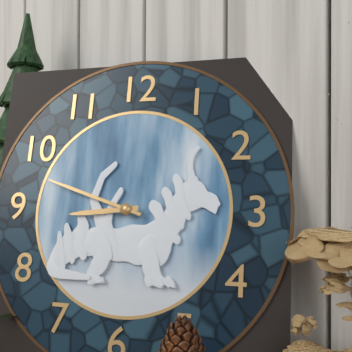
h=8 m=48
